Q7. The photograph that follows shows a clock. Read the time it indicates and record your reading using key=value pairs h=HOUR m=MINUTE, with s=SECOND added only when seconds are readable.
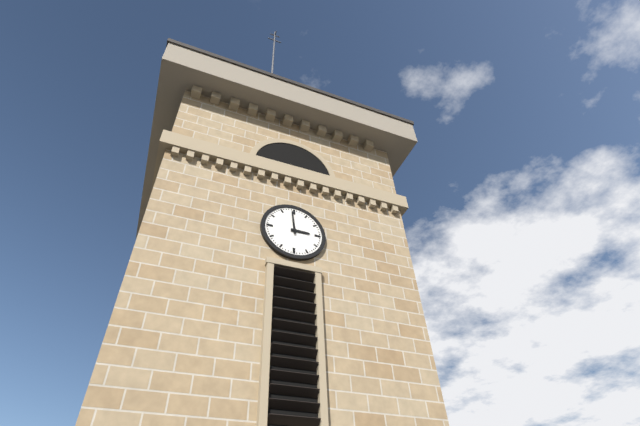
h=2 m=59
